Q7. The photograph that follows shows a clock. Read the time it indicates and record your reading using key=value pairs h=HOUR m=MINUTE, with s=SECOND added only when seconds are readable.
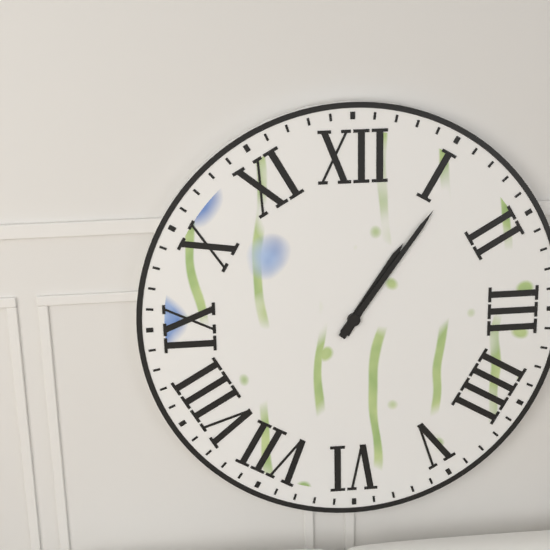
h=1 m=6
